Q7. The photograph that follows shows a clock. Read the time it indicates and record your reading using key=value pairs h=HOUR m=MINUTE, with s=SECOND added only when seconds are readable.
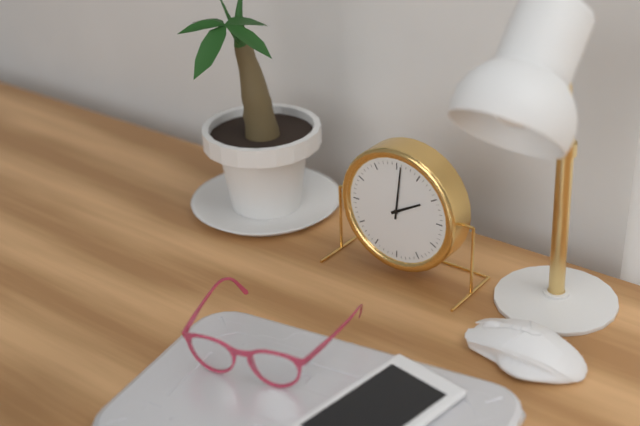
h=2 m=1
